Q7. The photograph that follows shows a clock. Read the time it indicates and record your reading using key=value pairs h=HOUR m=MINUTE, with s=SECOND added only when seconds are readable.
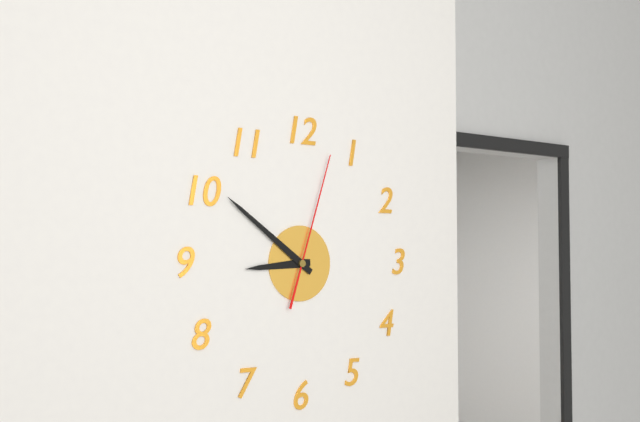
h=8 m=51 s=3
